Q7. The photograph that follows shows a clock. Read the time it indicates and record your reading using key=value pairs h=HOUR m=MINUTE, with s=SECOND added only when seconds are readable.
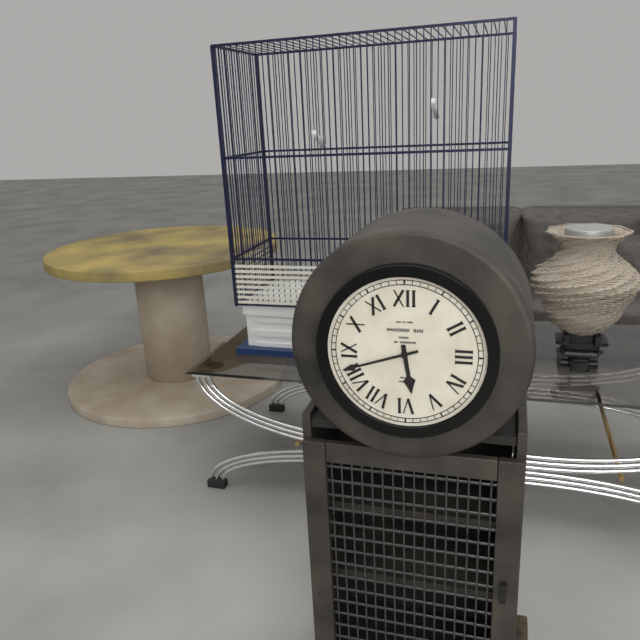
h=5 m=42
